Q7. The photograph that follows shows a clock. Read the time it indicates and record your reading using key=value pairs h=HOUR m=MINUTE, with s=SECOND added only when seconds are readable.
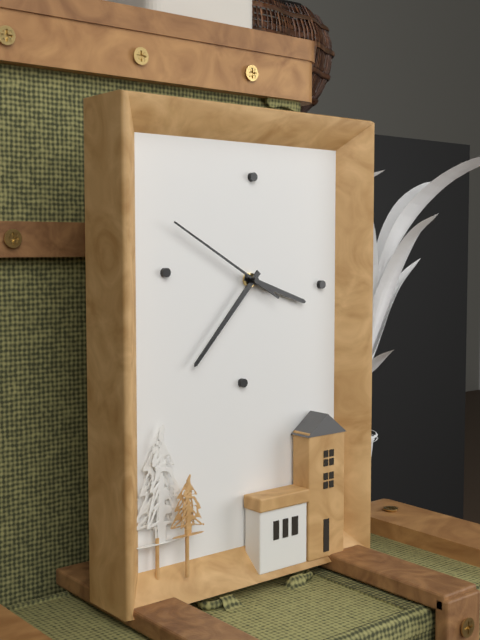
h=3 m=37 s=50
